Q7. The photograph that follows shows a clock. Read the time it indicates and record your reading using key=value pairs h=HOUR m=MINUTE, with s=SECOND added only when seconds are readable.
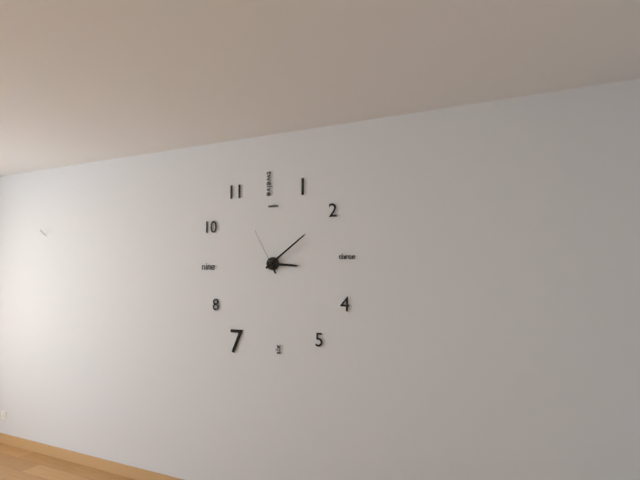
h=3 m=9
